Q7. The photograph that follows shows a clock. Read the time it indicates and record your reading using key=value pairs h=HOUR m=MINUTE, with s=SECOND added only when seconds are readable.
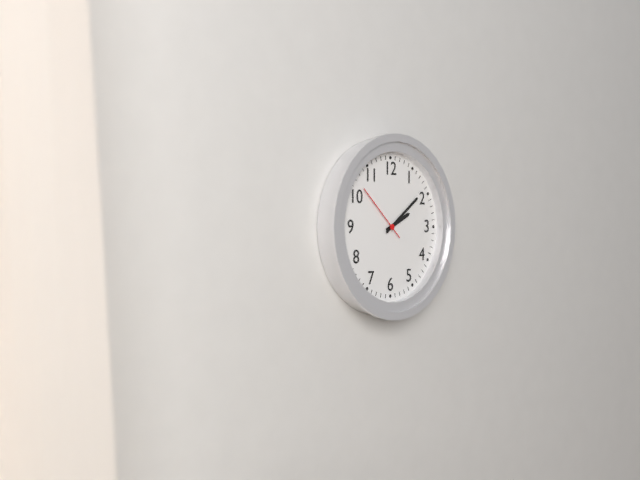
h=2 m=9 s=52
